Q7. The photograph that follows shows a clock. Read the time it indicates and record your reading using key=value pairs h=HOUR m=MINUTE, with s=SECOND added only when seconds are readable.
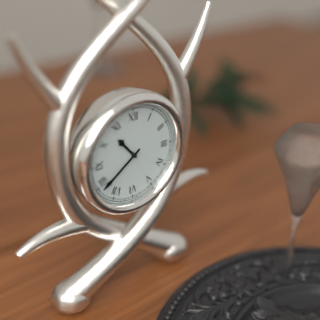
h=10 m=39
